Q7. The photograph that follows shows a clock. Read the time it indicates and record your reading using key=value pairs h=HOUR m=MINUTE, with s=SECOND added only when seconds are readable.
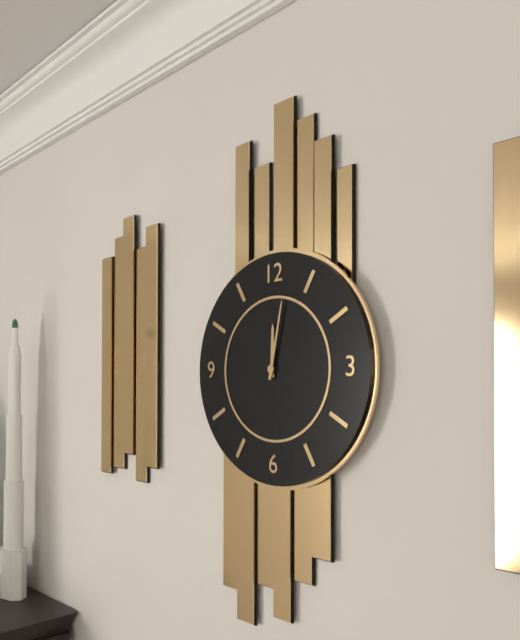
h=12 m=2
